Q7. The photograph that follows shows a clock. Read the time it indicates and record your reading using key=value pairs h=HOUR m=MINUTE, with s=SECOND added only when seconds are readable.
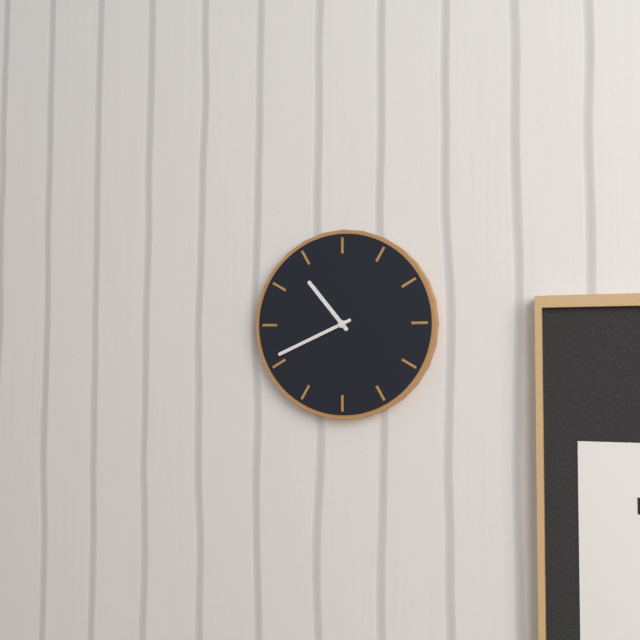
h=10 m=41
